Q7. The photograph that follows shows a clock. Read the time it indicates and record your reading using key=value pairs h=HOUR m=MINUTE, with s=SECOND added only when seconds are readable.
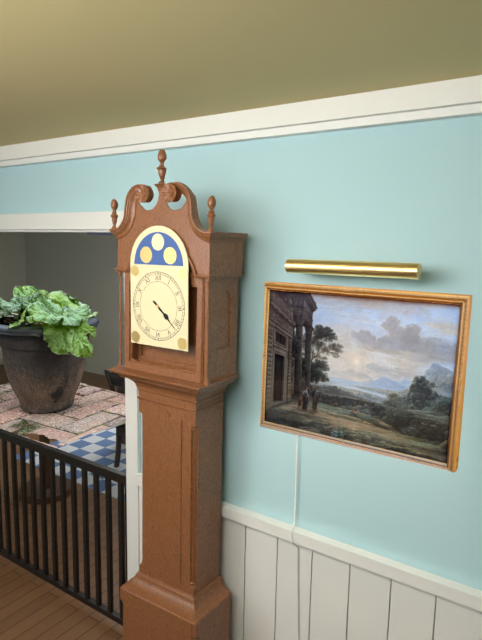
h=4 m=22
